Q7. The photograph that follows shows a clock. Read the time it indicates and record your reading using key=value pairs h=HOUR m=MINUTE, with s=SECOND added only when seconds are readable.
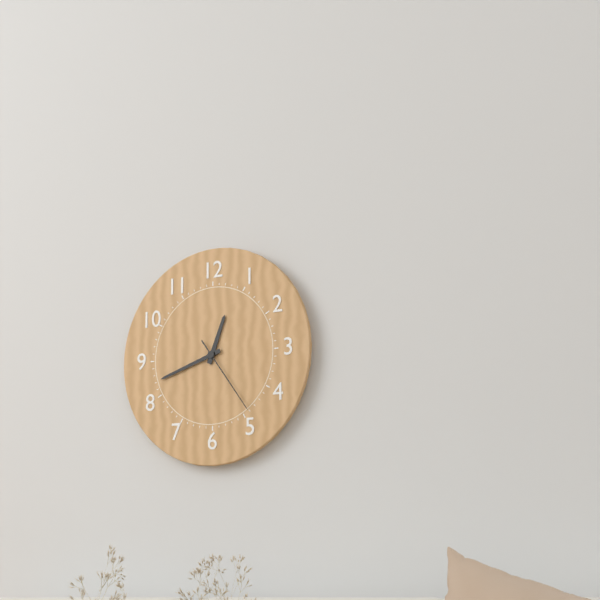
h=12 m=42 s=24
